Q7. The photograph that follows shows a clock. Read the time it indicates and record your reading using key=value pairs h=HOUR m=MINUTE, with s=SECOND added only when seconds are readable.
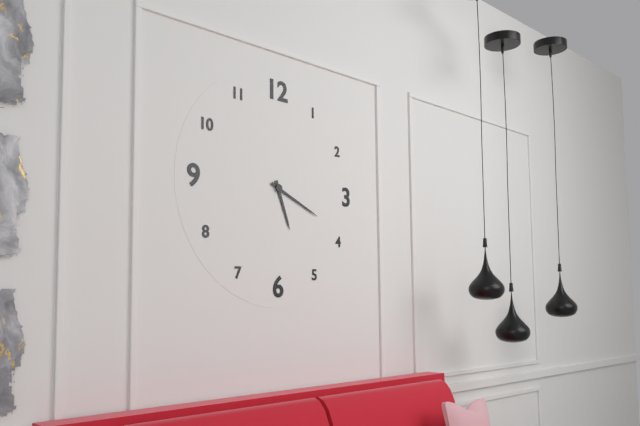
h=5 m=19
